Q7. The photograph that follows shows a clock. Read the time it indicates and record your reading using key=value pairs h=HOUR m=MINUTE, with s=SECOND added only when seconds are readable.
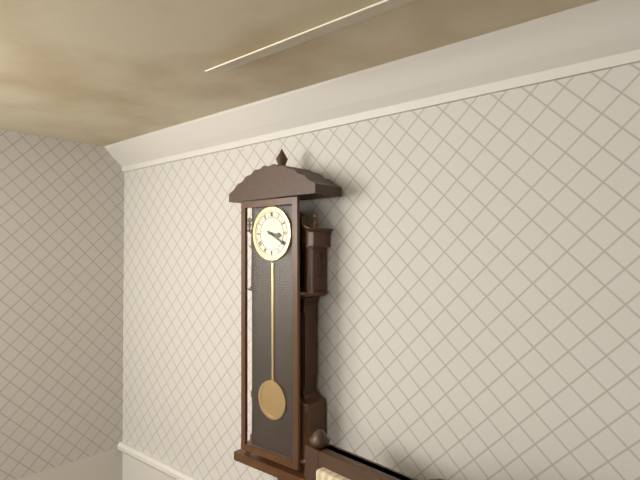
h=3 m=20
